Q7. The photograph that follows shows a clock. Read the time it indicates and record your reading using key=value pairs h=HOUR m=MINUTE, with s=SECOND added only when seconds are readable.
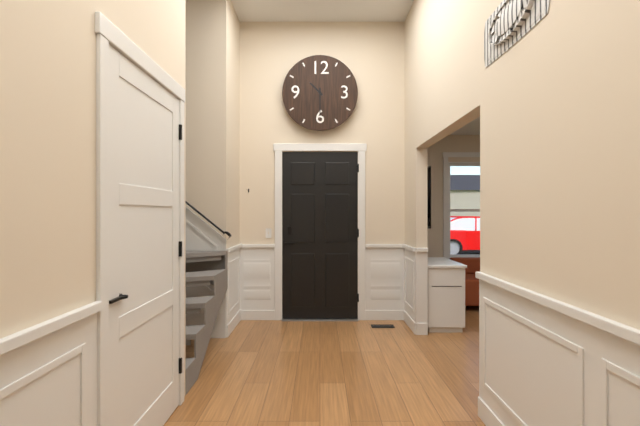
h=10 m=30
